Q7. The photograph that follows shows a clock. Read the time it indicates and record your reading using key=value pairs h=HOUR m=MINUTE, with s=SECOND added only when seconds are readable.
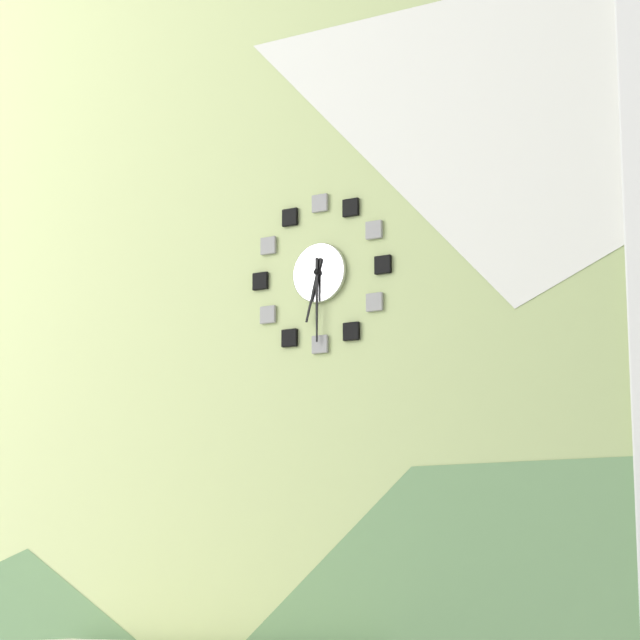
h=6 m=30
